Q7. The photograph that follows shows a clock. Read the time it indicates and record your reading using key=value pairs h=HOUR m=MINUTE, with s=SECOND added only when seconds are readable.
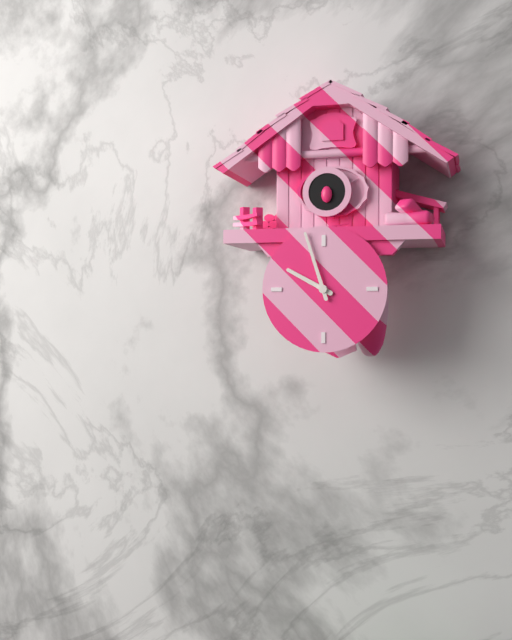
h=9 m=57
